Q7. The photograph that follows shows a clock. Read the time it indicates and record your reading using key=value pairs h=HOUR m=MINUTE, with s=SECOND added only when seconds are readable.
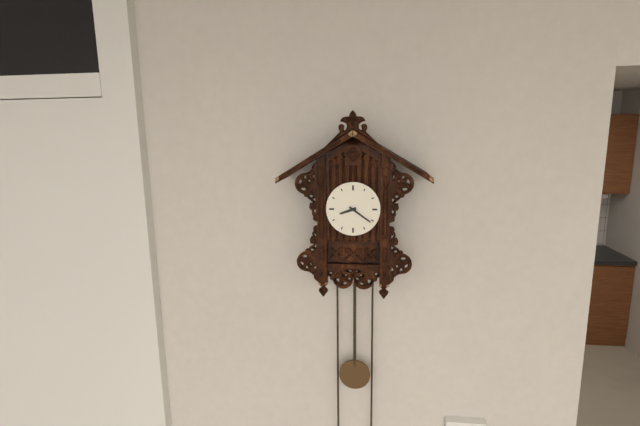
h=8 m=21
